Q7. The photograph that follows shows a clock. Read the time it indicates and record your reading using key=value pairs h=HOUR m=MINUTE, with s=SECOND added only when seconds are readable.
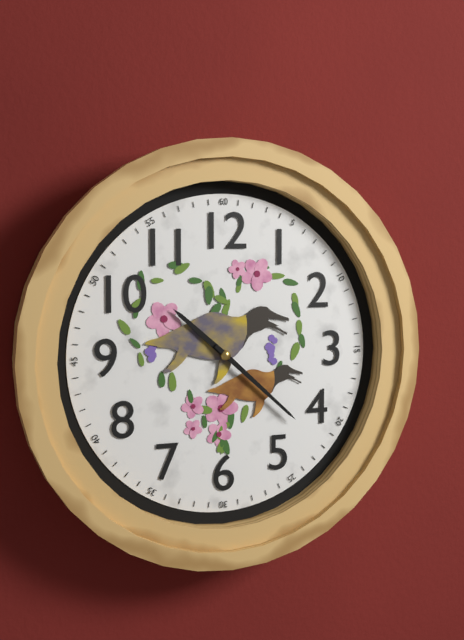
h=10 m=22
